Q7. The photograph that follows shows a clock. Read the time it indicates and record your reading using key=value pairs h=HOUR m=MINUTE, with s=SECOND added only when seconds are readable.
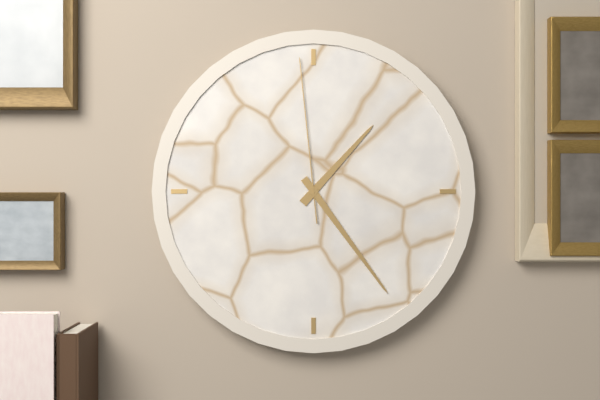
h=1 m=24 s=59
